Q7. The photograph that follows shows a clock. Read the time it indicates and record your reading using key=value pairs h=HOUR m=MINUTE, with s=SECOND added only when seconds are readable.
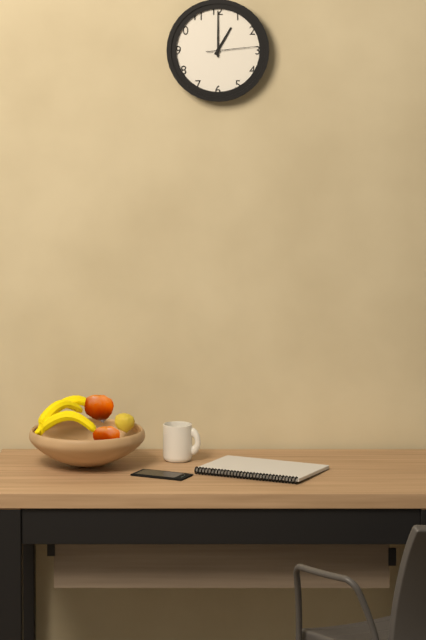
h=1 m=0
